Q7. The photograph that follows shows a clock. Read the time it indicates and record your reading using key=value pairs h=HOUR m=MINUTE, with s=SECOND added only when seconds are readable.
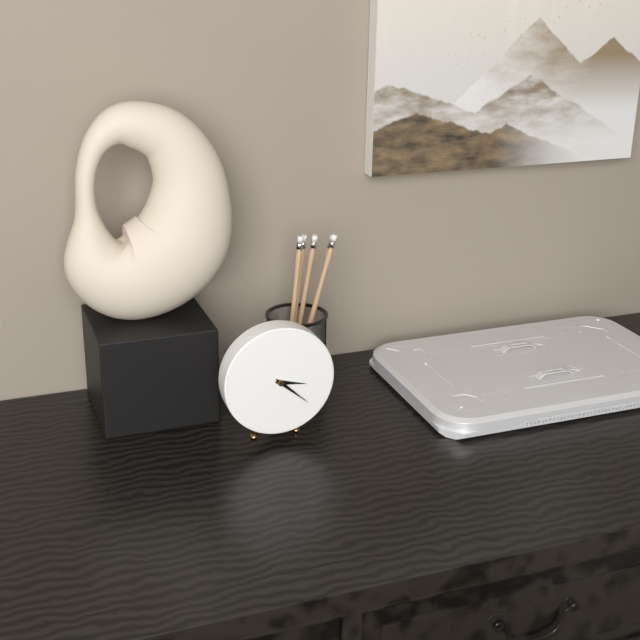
h=3 m=22
